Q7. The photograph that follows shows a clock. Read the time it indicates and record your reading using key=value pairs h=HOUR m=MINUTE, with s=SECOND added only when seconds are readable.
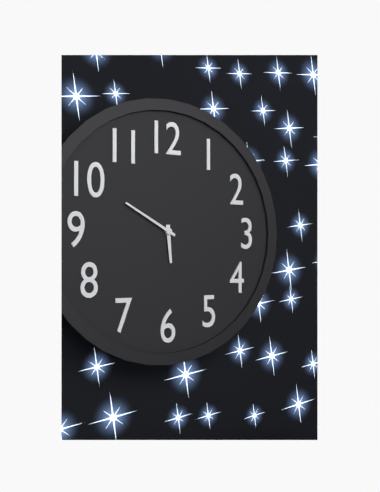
h=5 m=50
